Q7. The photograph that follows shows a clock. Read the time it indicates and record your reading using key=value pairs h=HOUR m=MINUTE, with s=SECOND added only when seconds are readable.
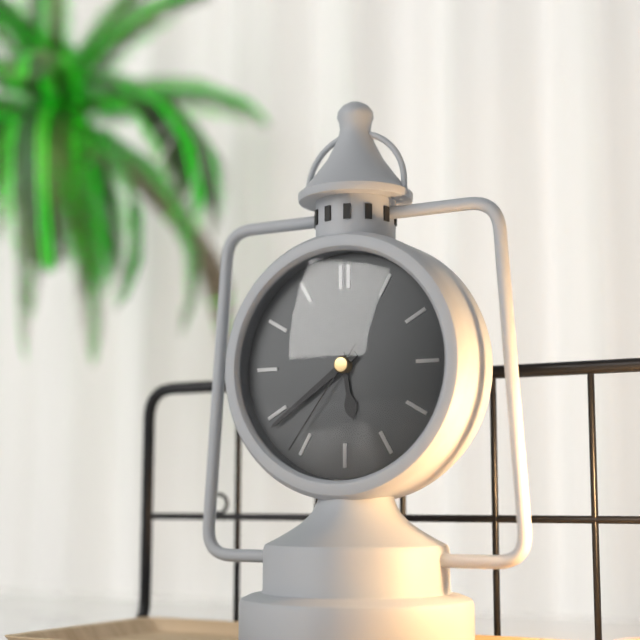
h=5 m=39 s=36
